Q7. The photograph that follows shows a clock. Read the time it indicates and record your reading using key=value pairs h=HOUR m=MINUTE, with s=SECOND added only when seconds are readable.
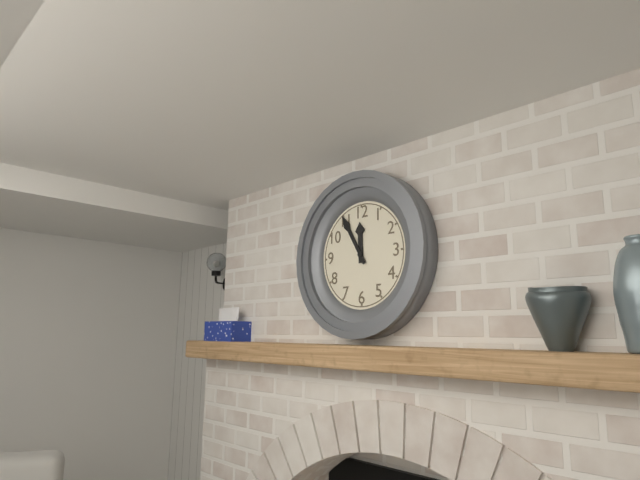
h=11 m=55
